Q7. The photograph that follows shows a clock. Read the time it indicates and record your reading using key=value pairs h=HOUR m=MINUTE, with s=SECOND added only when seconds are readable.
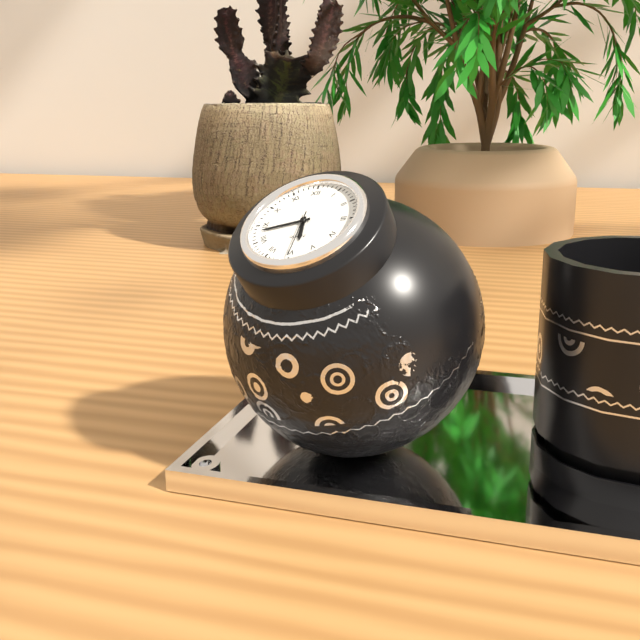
h=5 m=43 s=30
